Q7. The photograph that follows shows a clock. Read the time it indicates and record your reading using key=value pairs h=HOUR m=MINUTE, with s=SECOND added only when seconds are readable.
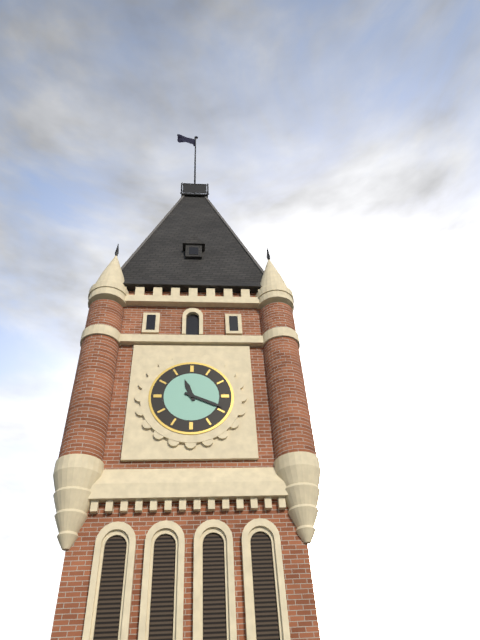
h=11 m=19
